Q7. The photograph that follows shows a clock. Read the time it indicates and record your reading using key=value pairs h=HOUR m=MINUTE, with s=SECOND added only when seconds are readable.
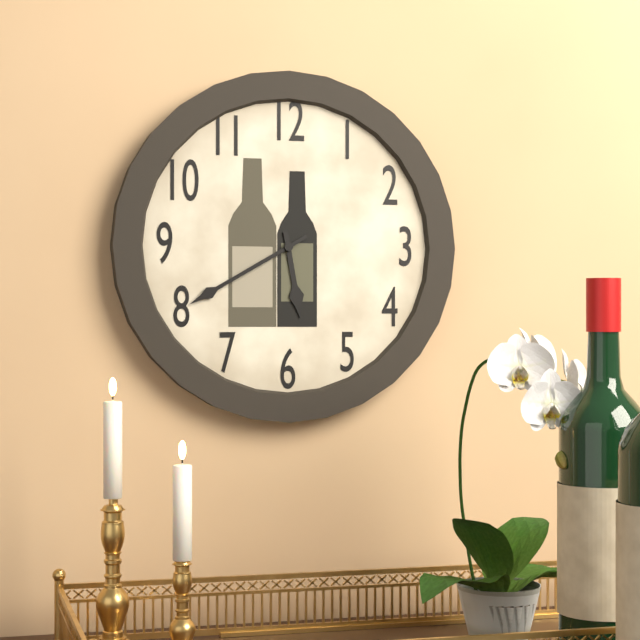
h=5 m=40
